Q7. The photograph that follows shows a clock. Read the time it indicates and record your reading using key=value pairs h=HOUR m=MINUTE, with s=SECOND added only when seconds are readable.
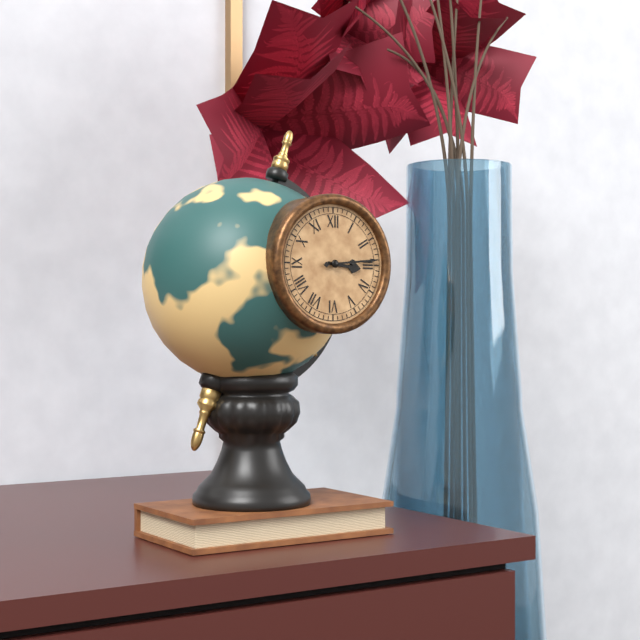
h=3 m=14
